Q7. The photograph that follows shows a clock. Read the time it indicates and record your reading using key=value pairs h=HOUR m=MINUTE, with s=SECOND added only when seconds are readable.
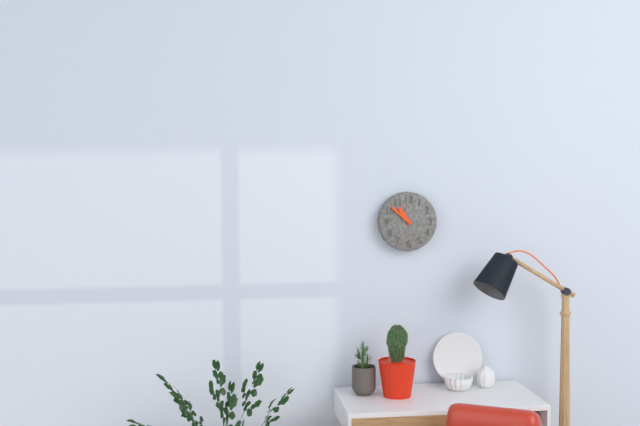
h=10 m=52
